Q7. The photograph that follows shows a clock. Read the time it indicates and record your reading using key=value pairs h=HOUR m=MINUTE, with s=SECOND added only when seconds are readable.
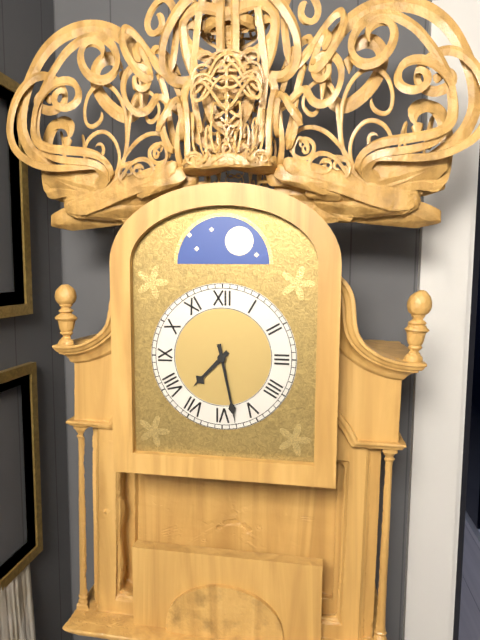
h=7 m=28
